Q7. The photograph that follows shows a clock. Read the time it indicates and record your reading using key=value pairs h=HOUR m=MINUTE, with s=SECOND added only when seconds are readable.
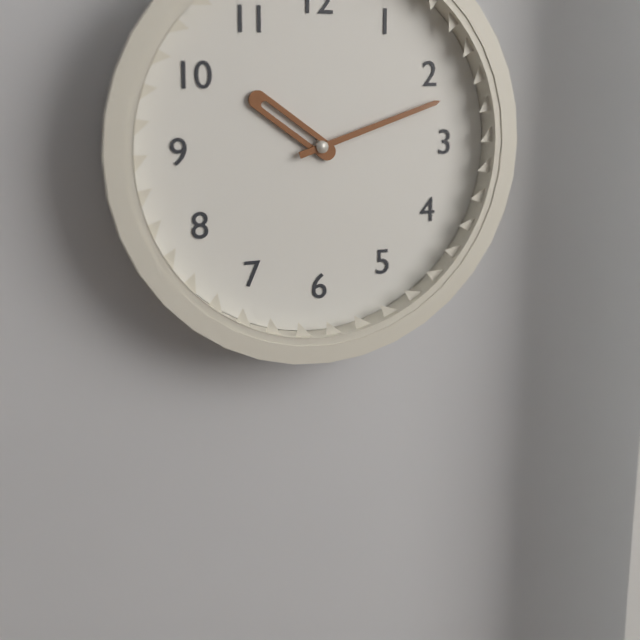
h=10 m=12
